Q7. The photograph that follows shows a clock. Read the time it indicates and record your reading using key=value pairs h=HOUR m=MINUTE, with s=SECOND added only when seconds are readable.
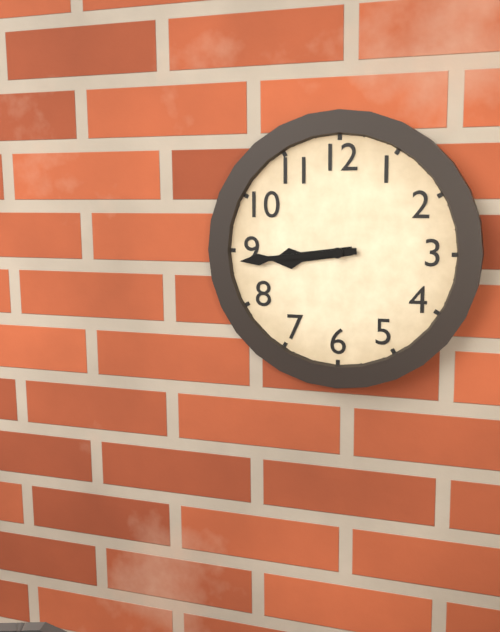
h=8 m=44
